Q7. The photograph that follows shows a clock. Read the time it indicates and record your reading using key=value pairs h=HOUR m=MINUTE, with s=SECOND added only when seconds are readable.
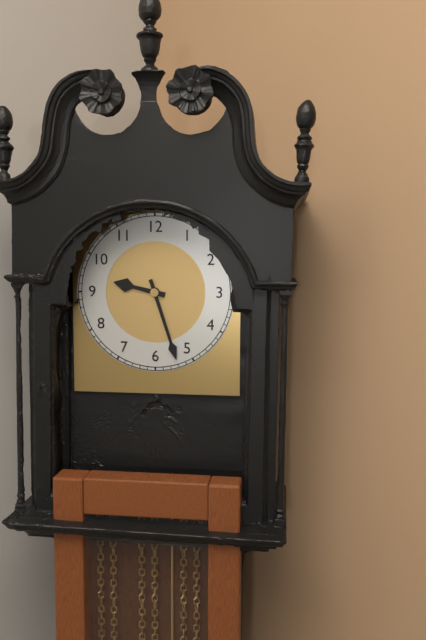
h=9 m=27
